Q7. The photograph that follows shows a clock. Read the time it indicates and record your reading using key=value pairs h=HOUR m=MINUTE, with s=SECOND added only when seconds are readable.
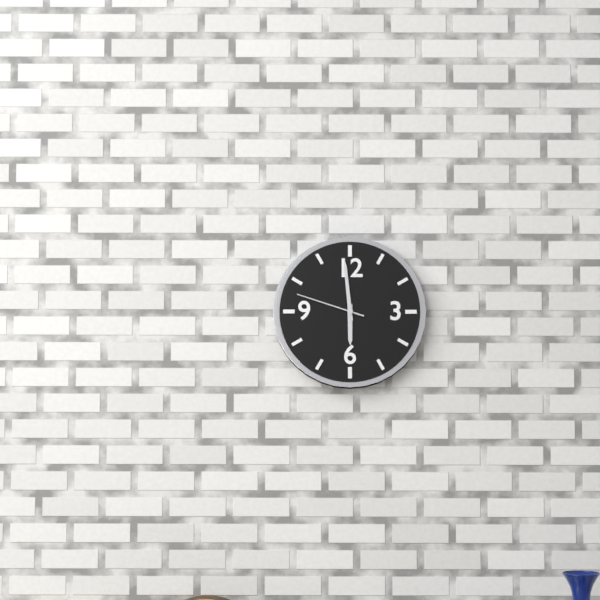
h=5 m=59 s=48
